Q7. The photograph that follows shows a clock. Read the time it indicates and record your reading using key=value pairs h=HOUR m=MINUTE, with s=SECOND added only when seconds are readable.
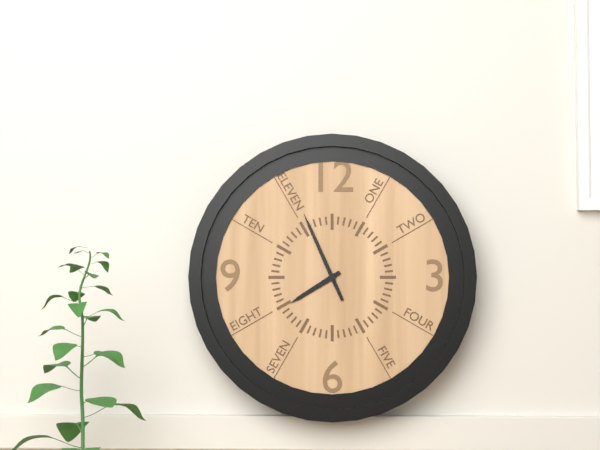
h=7 m=56
